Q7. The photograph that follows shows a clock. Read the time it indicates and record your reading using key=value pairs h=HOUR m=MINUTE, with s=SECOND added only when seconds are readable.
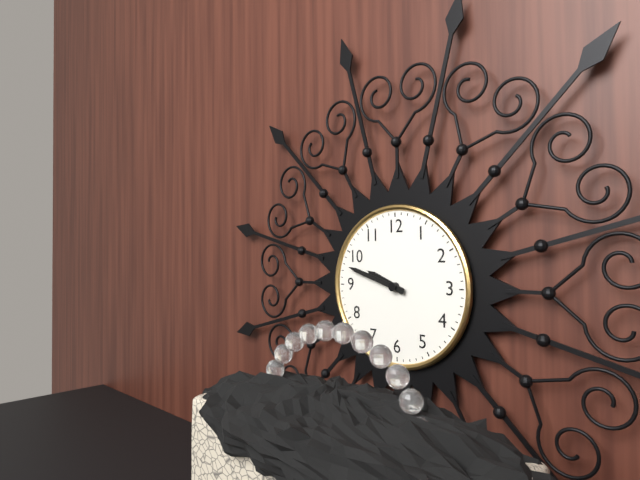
h=9 m=48
